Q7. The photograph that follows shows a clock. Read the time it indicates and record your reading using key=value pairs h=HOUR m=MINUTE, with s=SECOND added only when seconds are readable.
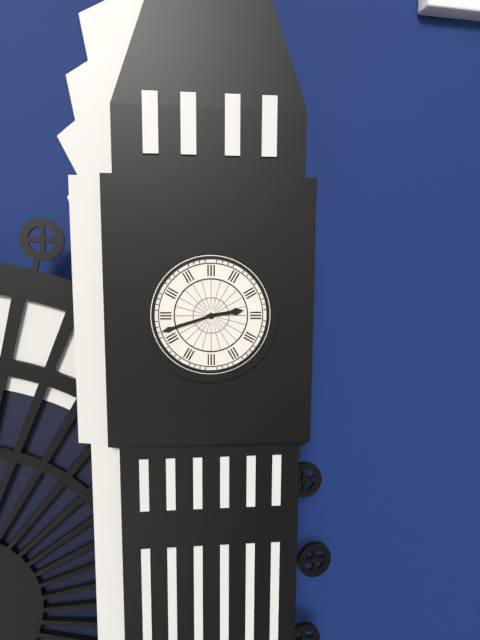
h=2 m=42
